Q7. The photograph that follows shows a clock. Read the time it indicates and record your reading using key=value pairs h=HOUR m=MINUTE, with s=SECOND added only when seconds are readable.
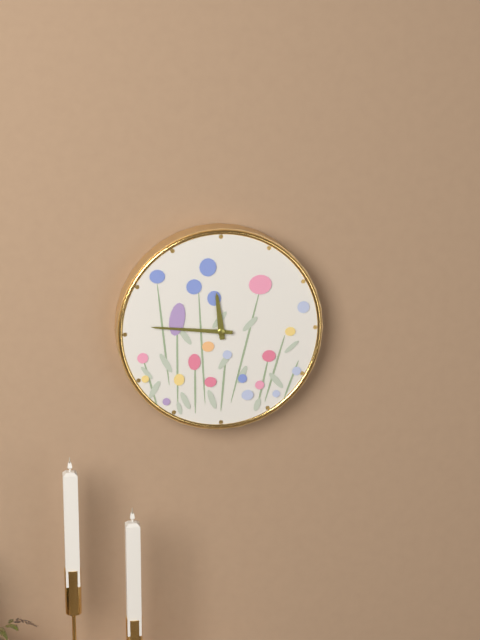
h=11 m=46
